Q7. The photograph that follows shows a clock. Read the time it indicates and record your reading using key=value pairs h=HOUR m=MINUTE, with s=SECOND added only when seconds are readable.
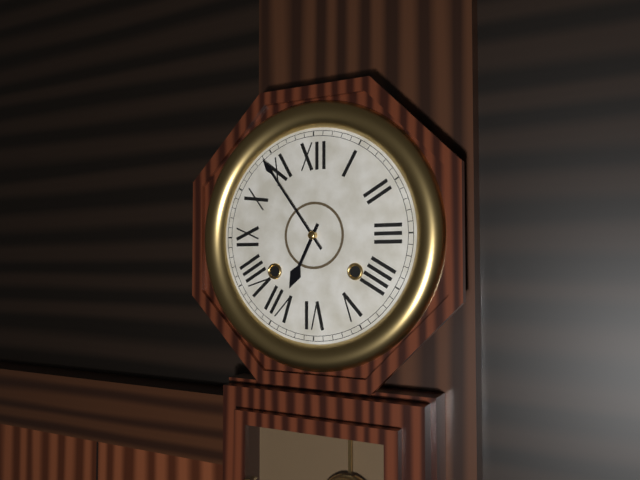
h=6 m=54
